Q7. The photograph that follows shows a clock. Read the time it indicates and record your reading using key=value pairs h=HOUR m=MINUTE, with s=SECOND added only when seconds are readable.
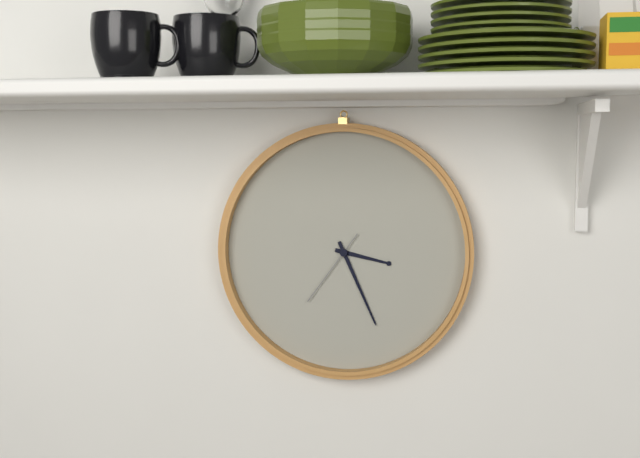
h=3 m=26 s=36
